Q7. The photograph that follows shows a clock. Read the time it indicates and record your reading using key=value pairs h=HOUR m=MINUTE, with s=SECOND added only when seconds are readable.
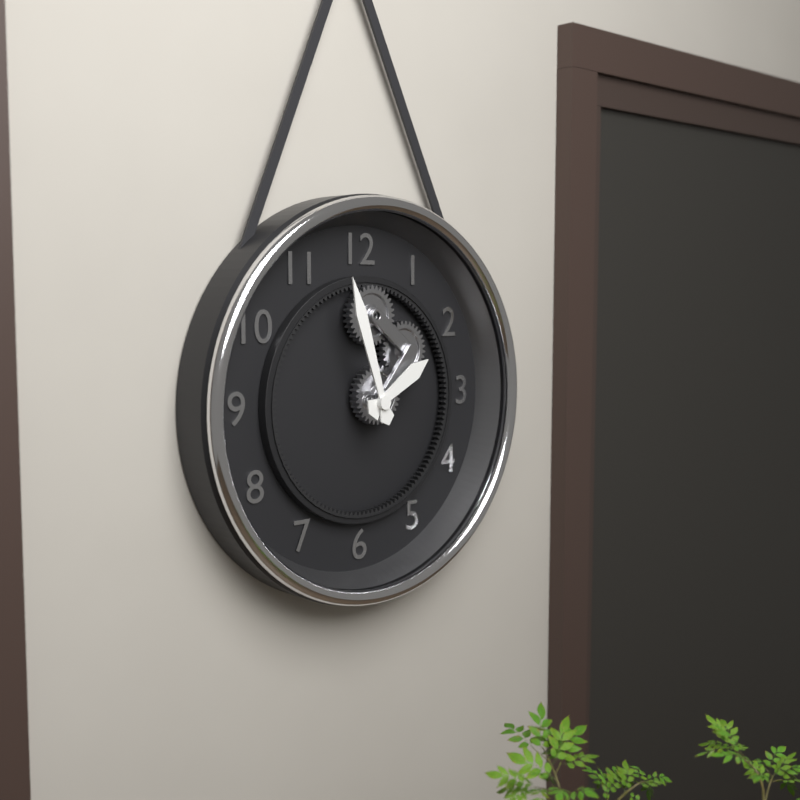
h=1 m=57
